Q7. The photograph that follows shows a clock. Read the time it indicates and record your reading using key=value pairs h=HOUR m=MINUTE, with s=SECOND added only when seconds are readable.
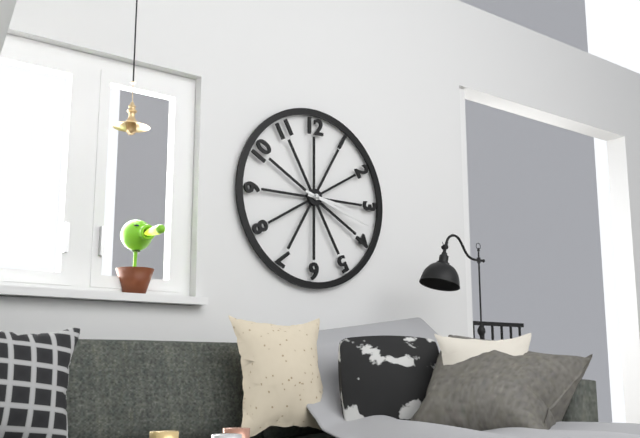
h=3 m=18
